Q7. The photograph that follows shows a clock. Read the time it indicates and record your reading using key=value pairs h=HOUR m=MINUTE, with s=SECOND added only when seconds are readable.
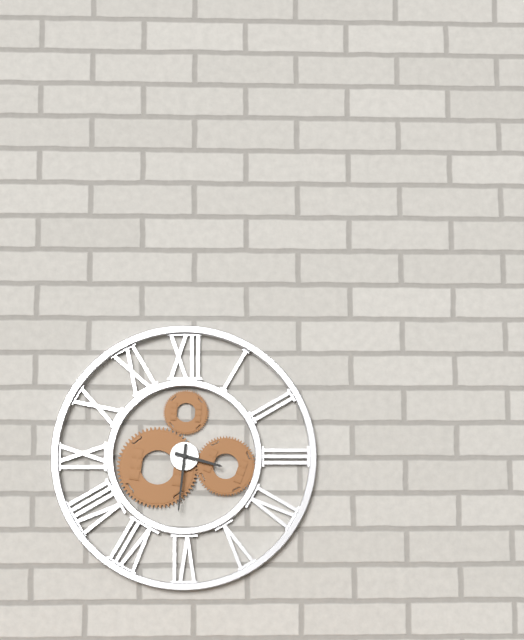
h=3 m=31
